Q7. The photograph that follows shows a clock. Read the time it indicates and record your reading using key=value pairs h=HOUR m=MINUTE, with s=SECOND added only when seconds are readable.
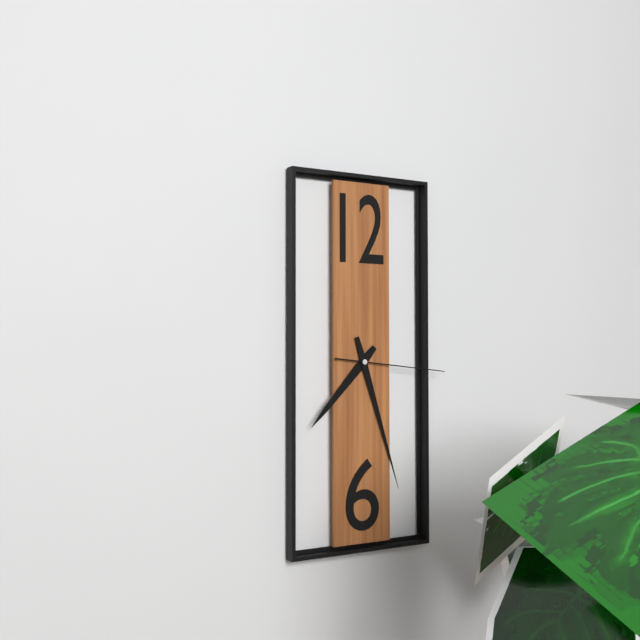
h=7 m=27 s=16
